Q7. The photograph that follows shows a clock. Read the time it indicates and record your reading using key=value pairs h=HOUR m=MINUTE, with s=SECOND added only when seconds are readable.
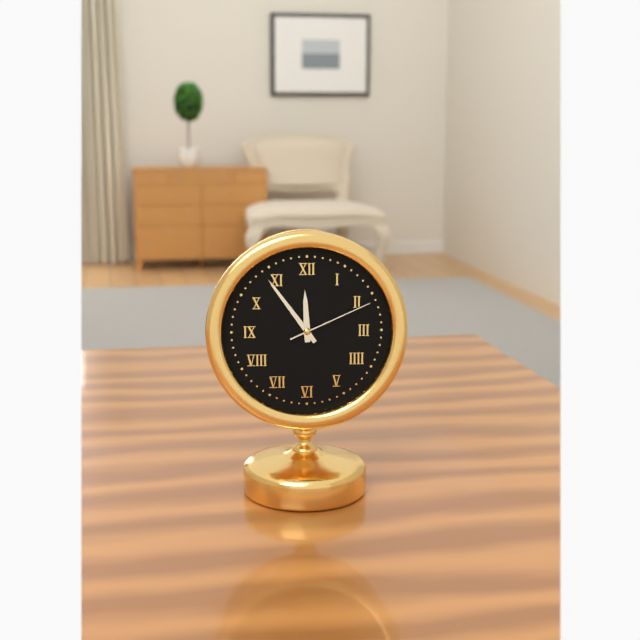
h=11 m=54 s=11
